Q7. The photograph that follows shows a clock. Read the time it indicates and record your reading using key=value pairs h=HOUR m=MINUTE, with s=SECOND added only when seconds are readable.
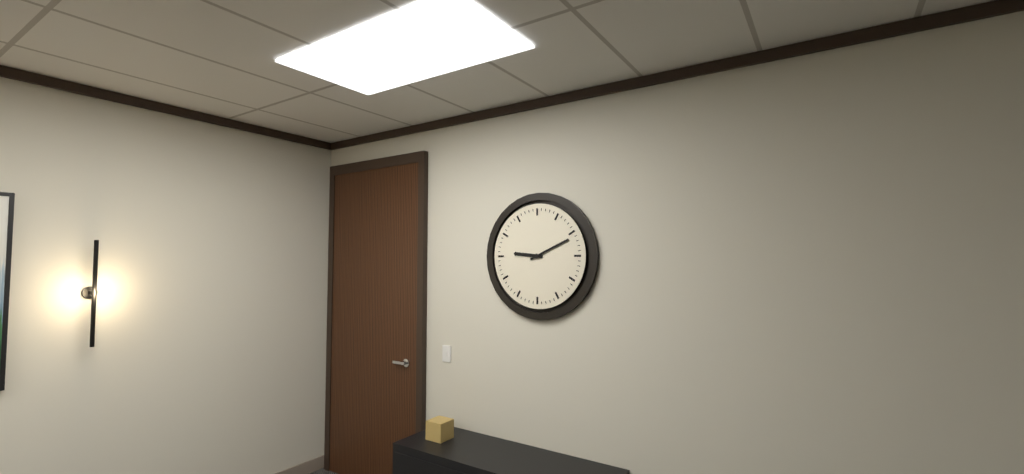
h=9 m=11
